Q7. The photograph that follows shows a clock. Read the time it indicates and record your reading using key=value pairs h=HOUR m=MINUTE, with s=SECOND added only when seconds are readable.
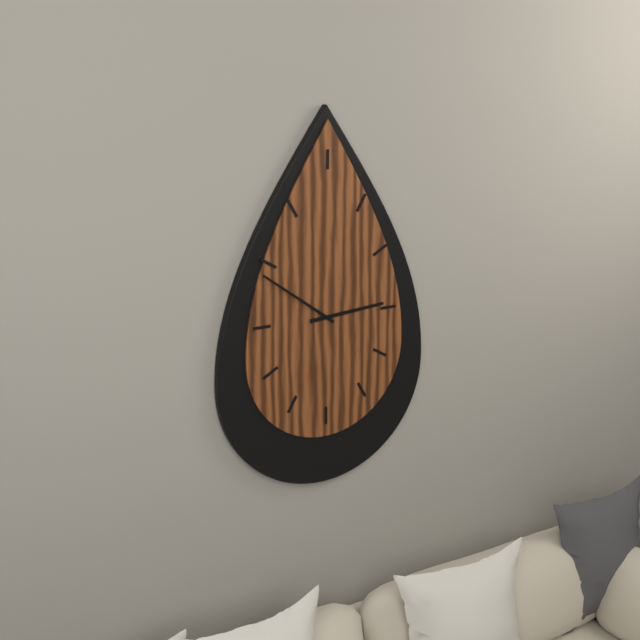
h=2 m=51
